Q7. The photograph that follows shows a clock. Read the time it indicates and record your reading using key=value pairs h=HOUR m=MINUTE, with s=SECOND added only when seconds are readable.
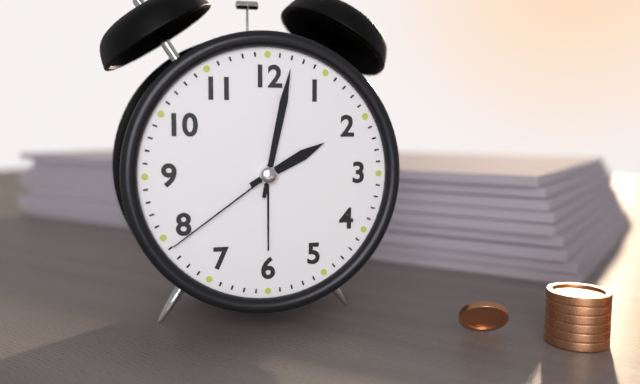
h=2 m=2 s=39
